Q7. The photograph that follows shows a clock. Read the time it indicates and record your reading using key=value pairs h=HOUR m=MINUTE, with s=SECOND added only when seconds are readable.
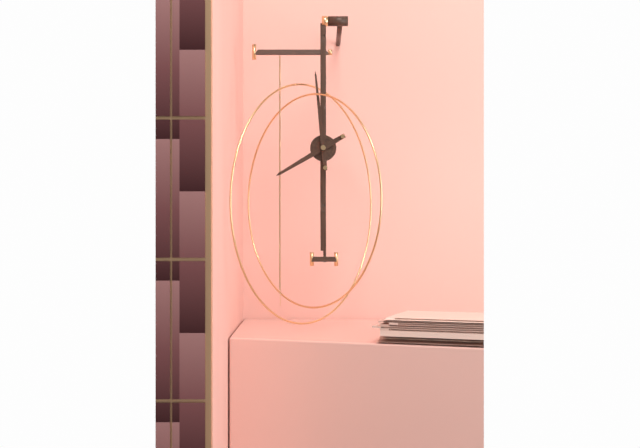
h=7 m=59
